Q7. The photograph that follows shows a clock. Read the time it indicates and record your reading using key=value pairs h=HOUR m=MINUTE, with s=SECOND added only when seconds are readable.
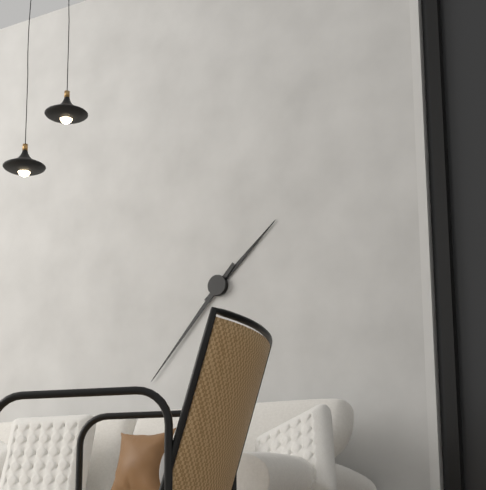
h=1 m=37
